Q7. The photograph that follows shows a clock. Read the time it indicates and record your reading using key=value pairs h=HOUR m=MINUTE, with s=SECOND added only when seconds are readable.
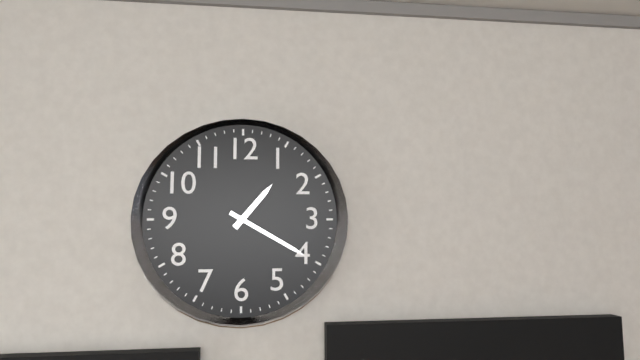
h=1 m=20
